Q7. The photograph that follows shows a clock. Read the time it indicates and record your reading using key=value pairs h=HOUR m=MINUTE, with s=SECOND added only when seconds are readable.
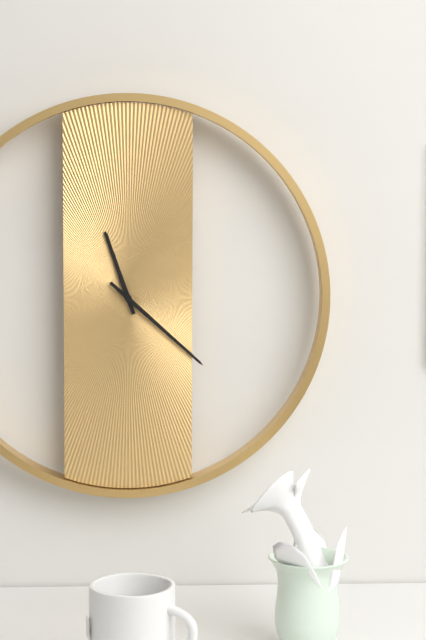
h=11 m=22
